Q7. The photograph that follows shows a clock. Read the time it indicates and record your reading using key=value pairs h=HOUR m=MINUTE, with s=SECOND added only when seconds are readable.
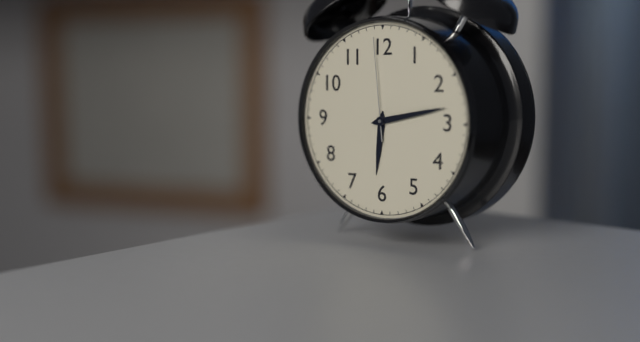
h=6 m=13 s=59
